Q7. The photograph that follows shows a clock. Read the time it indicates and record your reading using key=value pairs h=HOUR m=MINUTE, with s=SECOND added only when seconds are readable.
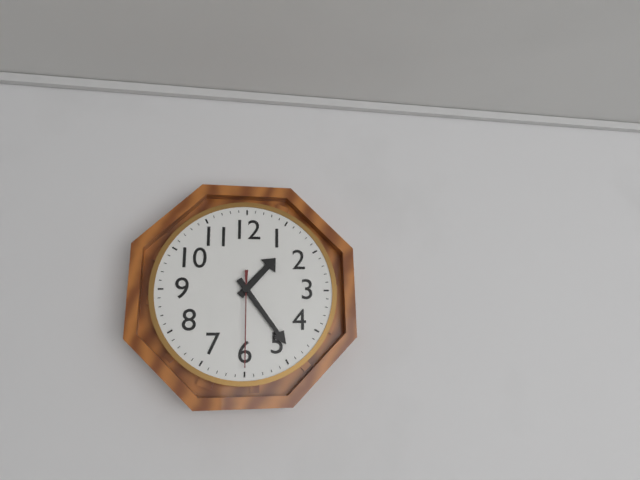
h=1 m=24 s=30
